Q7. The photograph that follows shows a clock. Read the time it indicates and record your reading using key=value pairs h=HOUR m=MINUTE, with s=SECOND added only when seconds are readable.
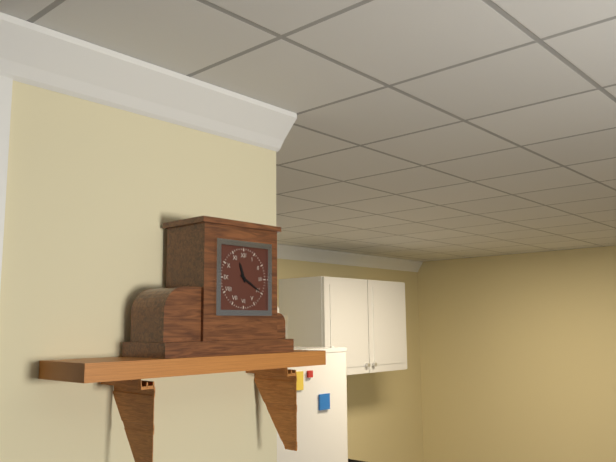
h=11 m=20
